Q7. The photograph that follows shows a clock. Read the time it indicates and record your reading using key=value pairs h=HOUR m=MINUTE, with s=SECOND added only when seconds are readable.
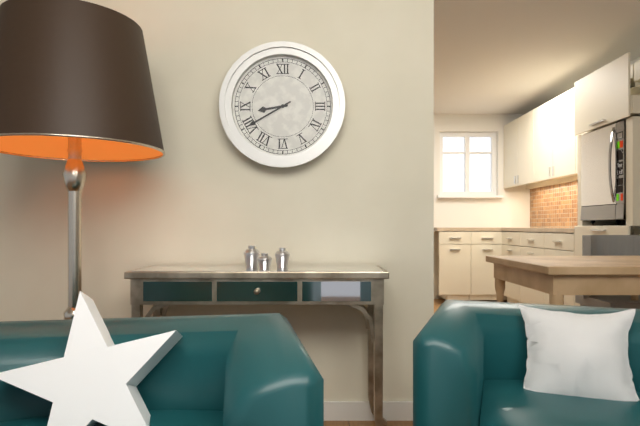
h=8 m=40
